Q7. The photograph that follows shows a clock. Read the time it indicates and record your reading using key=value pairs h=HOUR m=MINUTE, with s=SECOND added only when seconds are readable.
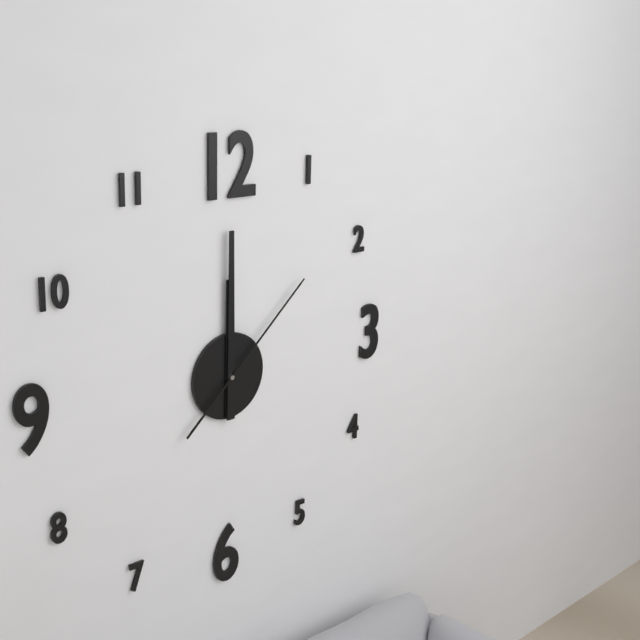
h=12 m=0 s=8
